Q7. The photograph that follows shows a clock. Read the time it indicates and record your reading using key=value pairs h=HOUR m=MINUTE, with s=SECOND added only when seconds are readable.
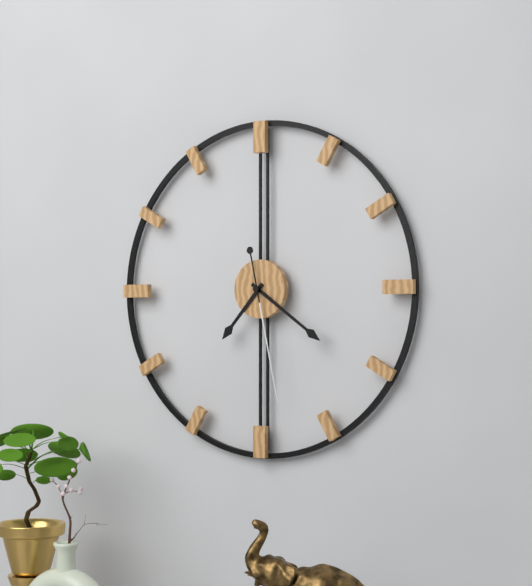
h=7 m=21 s=28
